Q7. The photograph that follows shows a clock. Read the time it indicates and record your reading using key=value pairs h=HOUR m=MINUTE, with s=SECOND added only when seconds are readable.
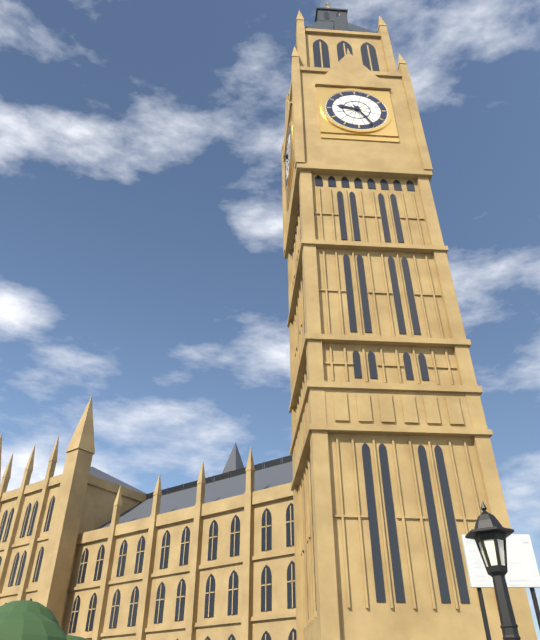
h=9 m=25
